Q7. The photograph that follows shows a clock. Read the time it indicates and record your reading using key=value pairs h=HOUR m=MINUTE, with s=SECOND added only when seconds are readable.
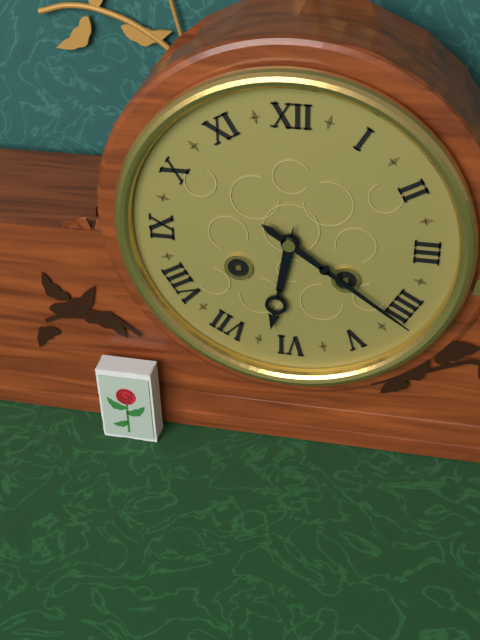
h=6 m=21
